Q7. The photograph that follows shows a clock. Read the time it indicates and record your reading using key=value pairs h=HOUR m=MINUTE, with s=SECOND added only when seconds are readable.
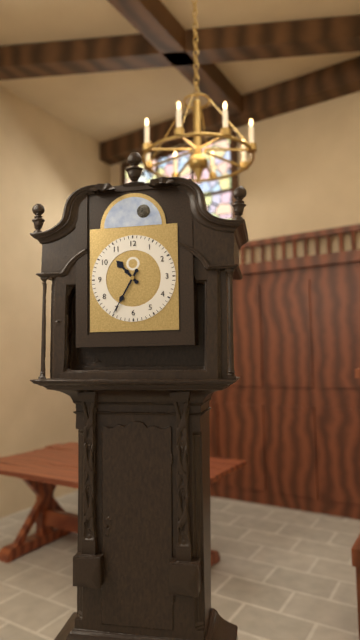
h=10 m=35
